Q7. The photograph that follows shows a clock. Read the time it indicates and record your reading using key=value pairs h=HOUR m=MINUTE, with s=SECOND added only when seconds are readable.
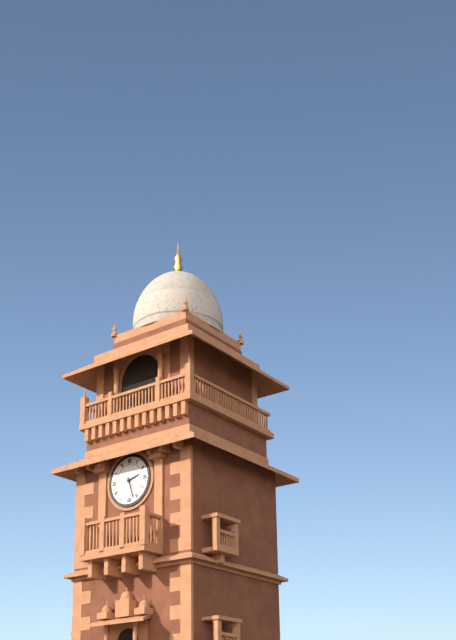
h=2 m=27
